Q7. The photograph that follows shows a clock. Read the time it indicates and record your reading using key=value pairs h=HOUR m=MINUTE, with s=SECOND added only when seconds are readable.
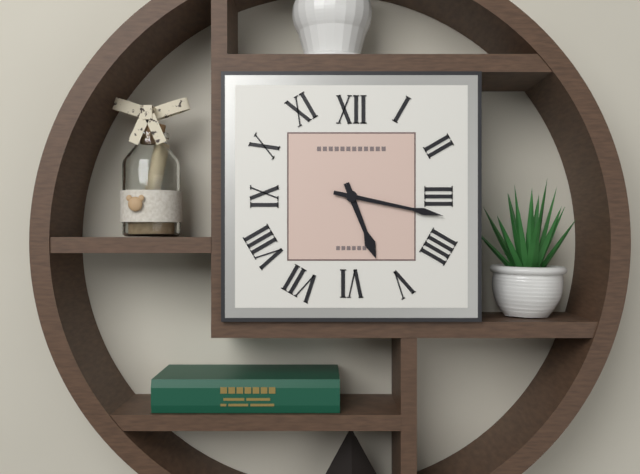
h=5 m=17
